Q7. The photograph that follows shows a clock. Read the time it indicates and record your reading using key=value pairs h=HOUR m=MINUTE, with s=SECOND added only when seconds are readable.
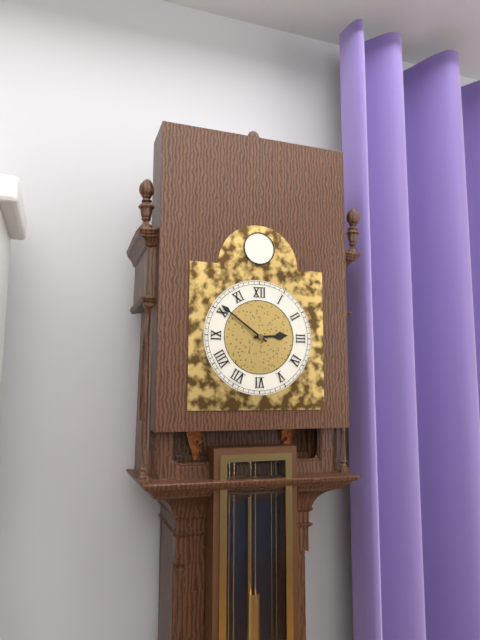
h=2 m=51
